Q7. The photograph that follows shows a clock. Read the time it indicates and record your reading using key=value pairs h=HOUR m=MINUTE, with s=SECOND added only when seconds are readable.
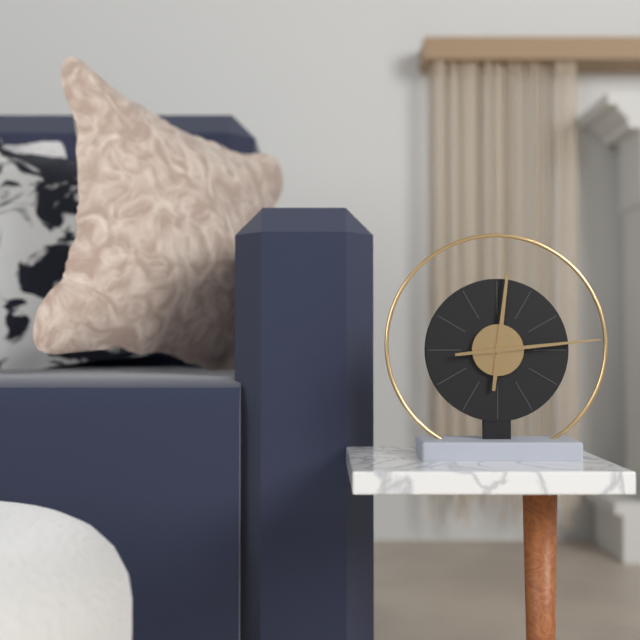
h=12 m=14
